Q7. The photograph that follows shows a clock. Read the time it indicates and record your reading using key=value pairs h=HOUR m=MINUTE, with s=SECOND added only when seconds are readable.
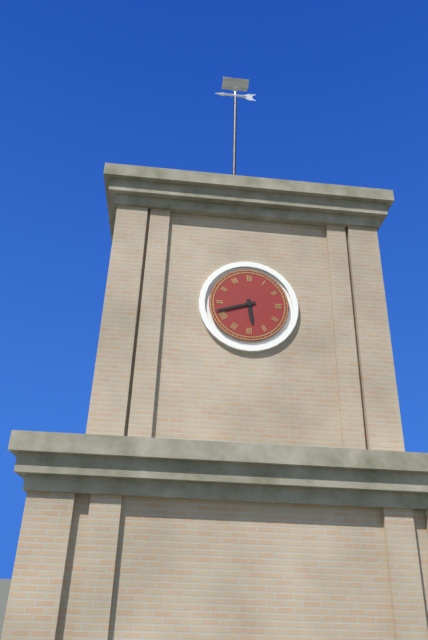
h=5 m=42
